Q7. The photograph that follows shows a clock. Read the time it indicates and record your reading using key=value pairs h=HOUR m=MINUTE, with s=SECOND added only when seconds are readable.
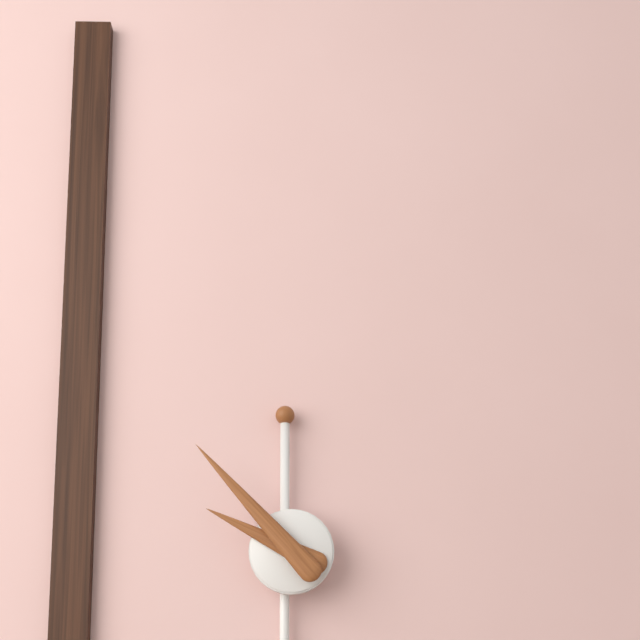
h=9 m=53
